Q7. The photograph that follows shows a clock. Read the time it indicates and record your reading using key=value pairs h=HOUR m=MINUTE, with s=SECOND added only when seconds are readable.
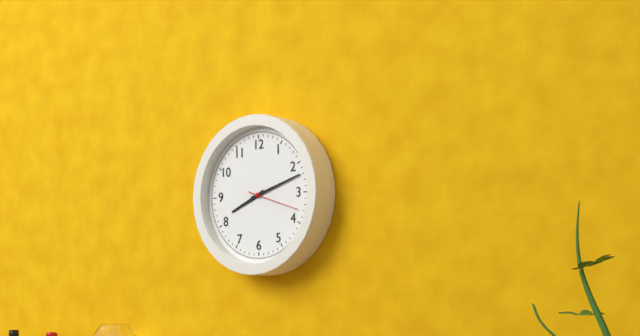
h=8 m=12 s=18
